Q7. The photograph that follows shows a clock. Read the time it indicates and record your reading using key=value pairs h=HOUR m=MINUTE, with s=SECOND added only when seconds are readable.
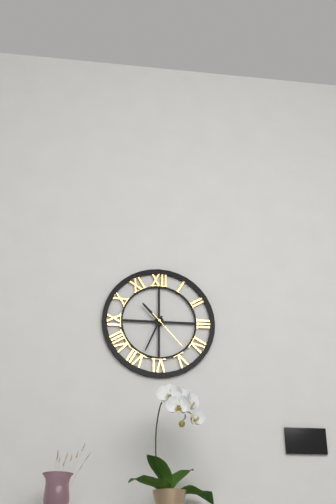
h=10 m=34
